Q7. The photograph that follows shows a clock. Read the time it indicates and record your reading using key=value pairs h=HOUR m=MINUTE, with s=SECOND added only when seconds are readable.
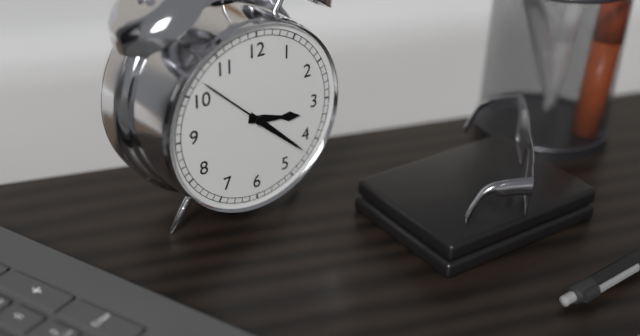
h=3 m=22 s=52
